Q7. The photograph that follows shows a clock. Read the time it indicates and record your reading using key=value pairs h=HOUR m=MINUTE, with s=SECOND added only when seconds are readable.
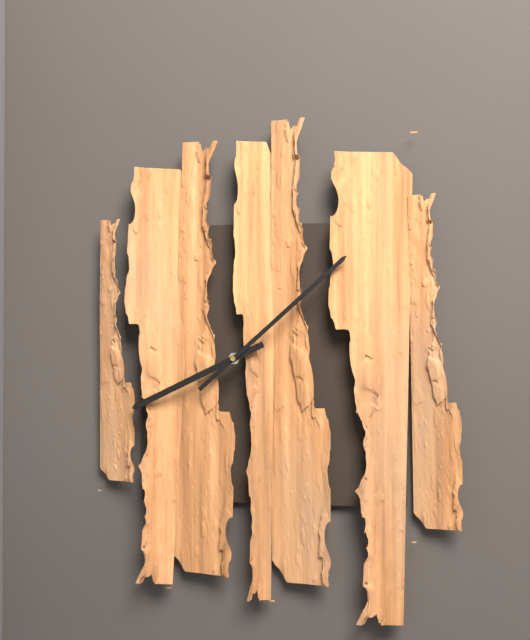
h=8 m=8
